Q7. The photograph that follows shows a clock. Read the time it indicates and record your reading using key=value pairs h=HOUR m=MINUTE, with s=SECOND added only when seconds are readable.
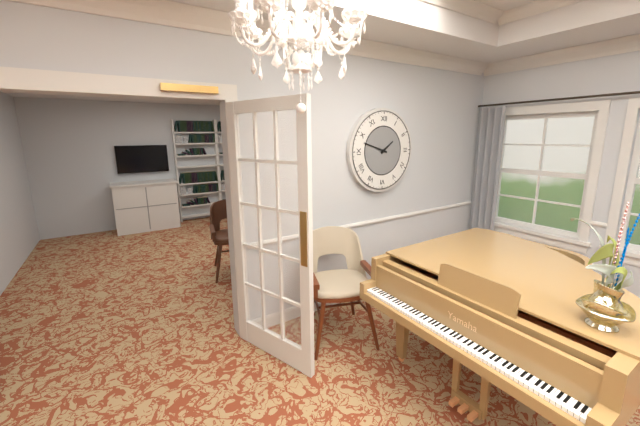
h=1 m=48
